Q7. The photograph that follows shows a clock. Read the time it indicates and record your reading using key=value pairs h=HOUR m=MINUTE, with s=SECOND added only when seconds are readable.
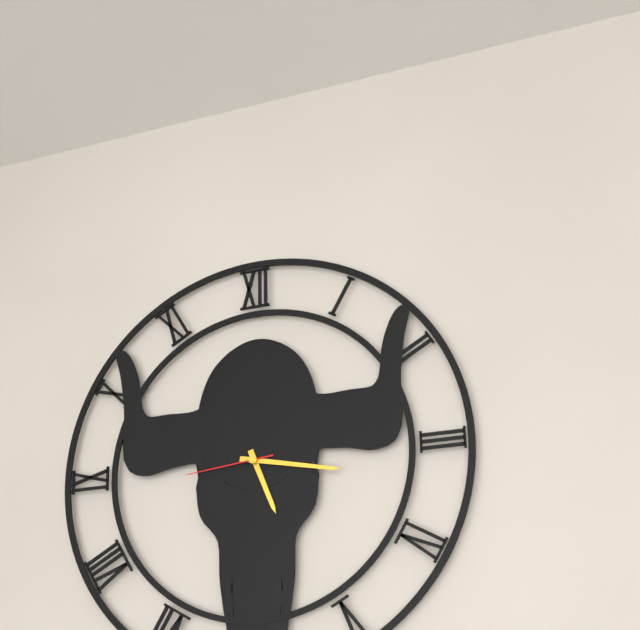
h=5 m=17 s=44
